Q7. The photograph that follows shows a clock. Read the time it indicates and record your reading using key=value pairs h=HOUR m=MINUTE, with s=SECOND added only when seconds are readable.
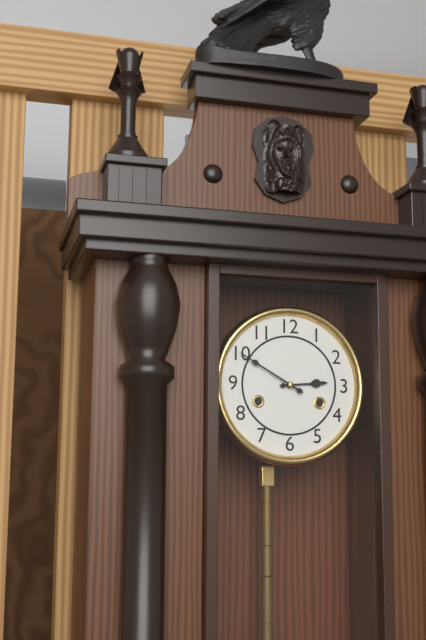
h=2 m=50
